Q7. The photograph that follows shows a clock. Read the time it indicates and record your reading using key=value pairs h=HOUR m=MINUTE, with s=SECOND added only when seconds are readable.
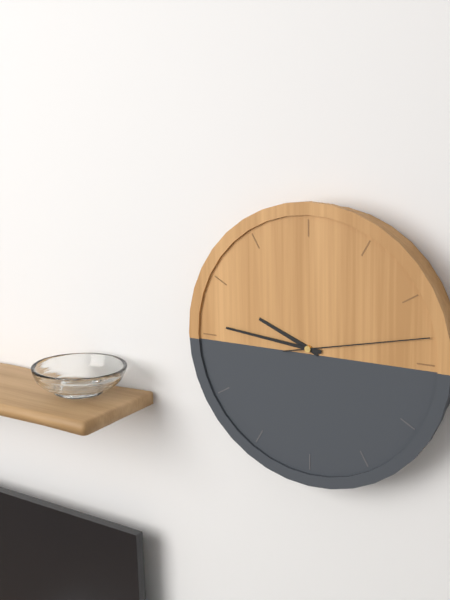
h=9 m=46 s=13
